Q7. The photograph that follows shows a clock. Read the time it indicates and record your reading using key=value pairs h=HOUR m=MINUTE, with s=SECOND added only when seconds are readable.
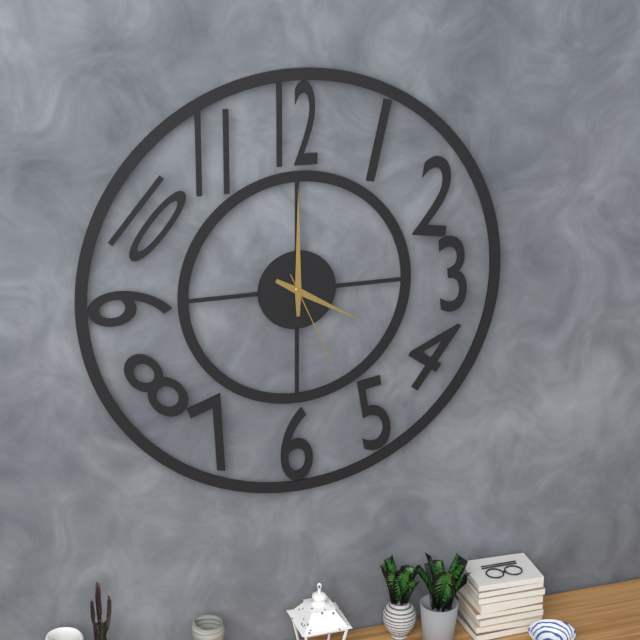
h=4 m=0 s=26
